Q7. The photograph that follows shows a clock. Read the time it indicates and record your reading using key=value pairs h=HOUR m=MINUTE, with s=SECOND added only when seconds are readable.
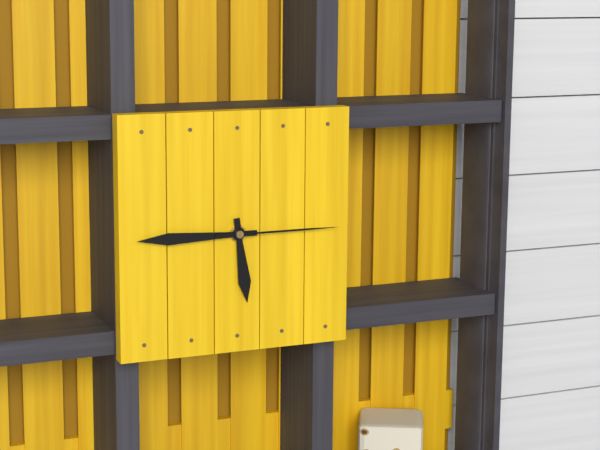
h=5 m=45 s=15
